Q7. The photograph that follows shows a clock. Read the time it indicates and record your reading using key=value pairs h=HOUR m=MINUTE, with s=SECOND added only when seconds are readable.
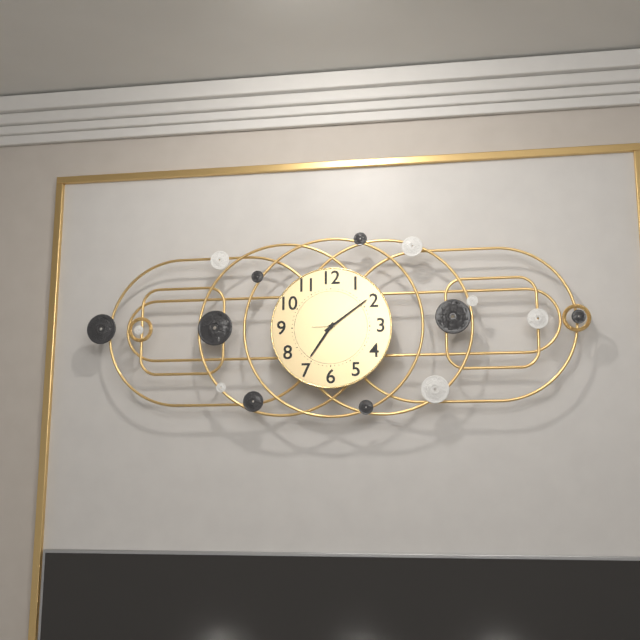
h=7 m=9
